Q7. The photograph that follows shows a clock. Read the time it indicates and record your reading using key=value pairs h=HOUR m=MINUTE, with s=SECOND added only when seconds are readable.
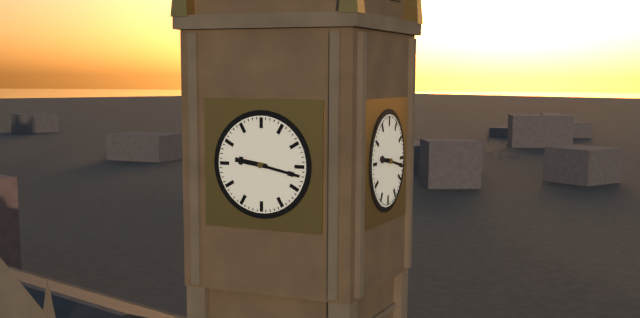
h=9 m=17
